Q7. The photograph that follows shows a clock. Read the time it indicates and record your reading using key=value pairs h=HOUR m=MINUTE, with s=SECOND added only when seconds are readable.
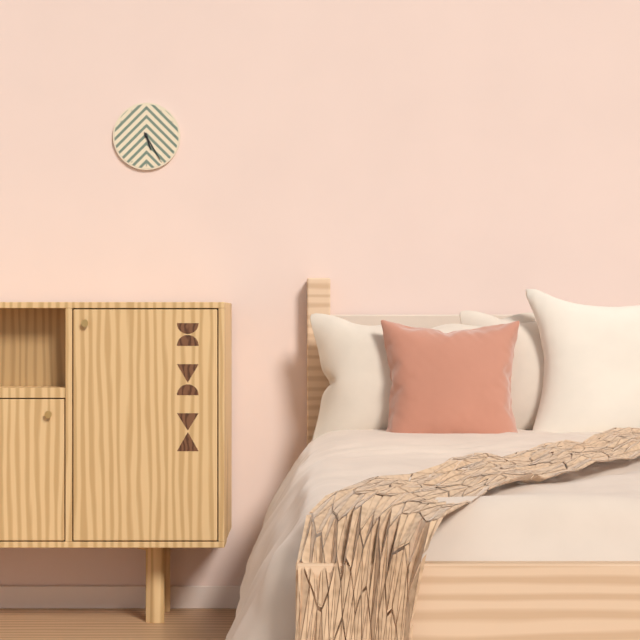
h=5 m=25
